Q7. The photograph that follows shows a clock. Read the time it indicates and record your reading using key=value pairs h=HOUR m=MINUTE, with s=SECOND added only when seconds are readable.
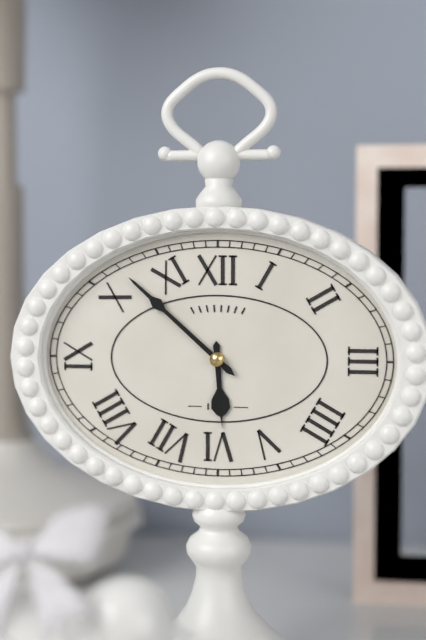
h=5 m=52
